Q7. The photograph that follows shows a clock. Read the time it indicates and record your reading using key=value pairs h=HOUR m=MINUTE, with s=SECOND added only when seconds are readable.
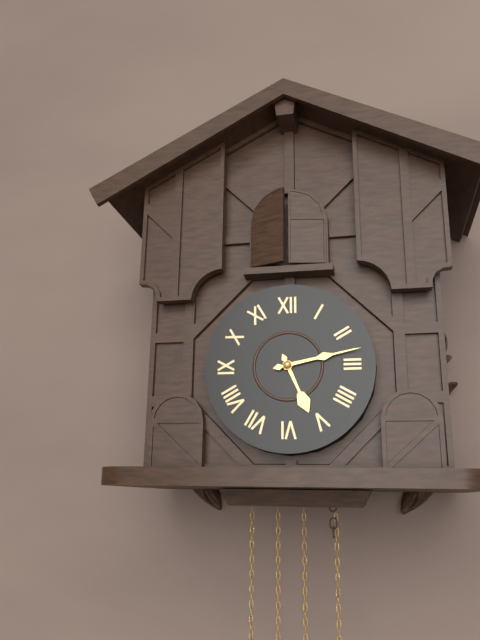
h=5 m=13
